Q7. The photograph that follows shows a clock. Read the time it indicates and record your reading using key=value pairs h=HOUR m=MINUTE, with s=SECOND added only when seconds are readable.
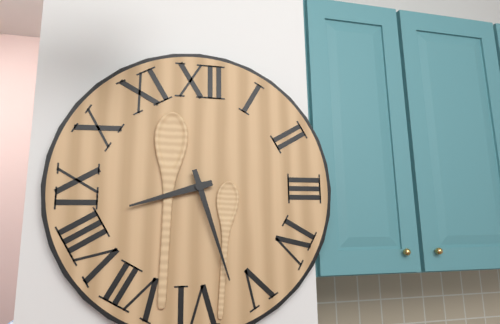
h=8 m=27
